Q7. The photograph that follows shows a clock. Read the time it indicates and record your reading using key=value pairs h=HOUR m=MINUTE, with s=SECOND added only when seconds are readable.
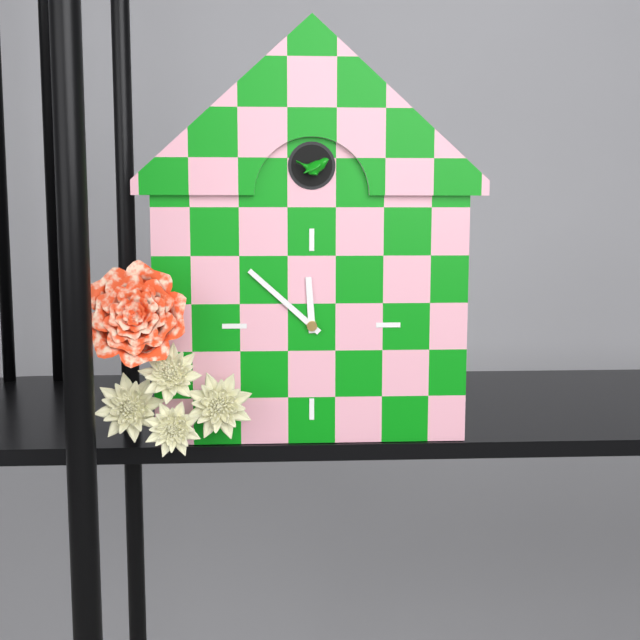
h=11 m=52
